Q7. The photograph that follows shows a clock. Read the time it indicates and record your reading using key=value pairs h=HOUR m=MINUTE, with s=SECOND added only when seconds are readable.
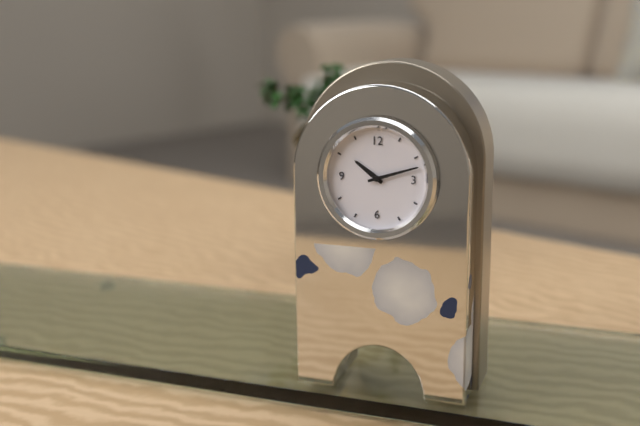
h=10 m=12
